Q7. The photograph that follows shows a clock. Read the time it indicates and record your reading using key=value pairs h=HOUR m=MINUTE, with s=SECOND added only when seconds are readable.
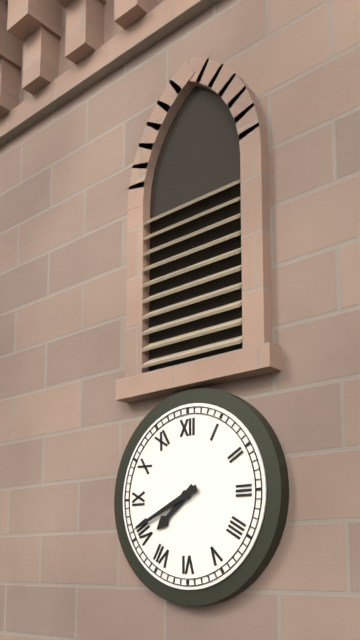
h=7 m=41
